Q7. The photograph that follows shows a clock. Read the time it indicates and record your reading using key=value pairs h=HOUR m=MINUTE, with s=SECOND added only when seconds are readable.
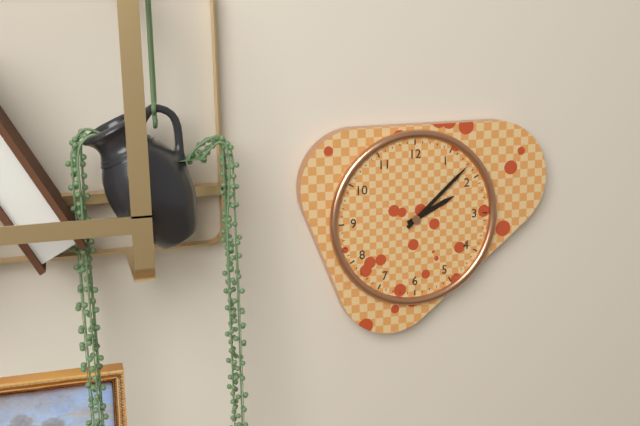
h=2 m=8
